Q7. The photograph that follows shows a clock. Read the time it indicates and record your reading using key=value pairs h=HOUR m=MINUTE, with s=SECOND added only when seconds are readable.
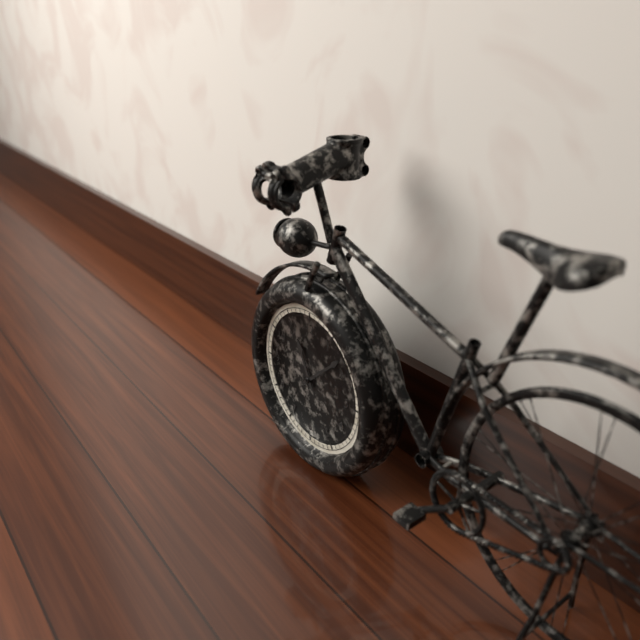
h=11 m=8
